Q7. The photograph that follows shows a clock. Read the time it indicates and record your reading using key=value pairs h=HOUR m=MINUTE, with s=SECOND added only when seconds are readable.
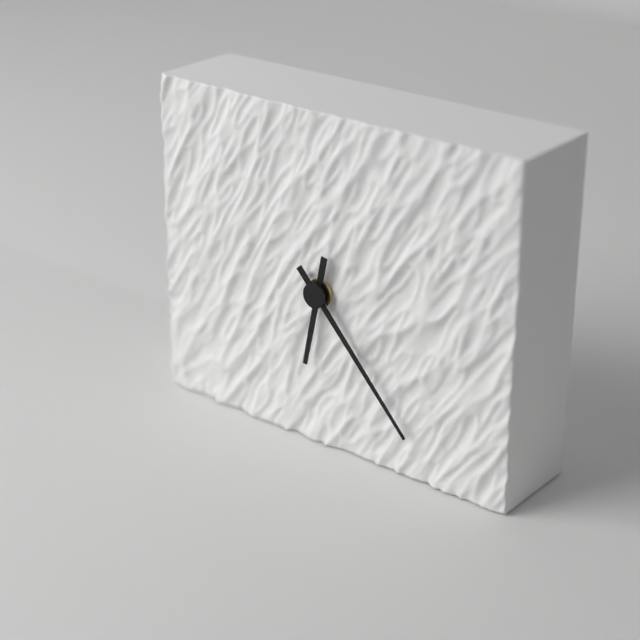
h=6 m=23
